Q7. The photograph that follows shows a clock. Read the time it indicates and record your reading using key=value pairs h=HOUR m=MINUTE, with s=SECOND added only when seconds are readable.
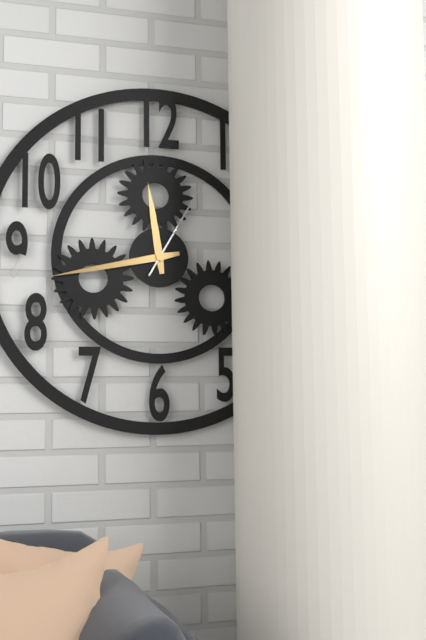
h=11 m=43 s=5
